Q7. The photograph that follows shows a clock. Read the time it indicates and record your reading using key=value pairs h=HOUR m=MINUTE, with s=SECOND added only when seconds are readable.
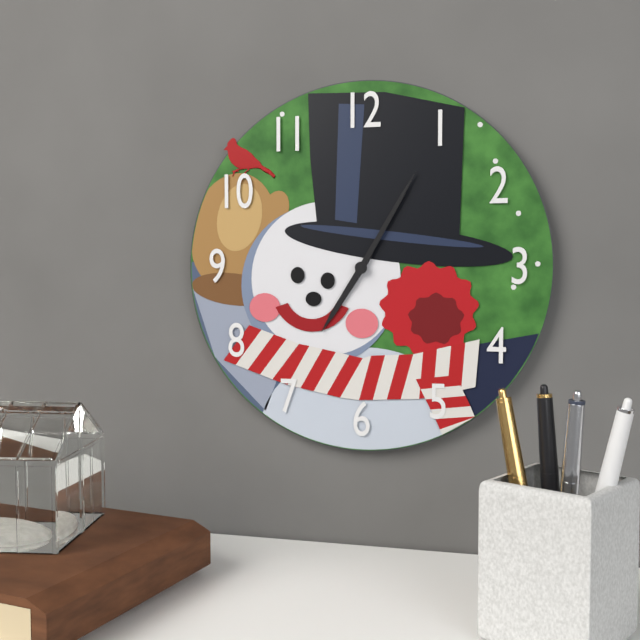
h=7 m=5
